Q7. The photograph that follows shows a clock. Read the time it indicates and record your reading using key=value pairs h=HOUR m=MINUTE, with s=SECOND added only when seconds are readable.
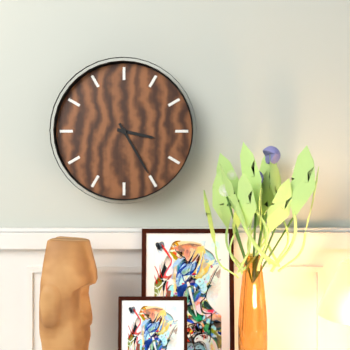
h=3 m=25
